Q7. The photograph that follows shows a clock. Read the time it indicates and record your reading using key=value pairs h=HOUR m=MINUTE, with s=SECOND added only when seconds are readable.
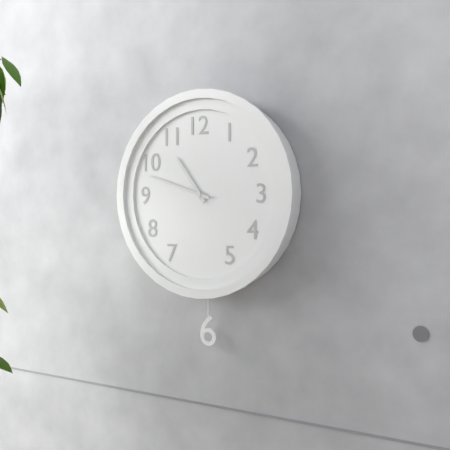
h=10 m=48
